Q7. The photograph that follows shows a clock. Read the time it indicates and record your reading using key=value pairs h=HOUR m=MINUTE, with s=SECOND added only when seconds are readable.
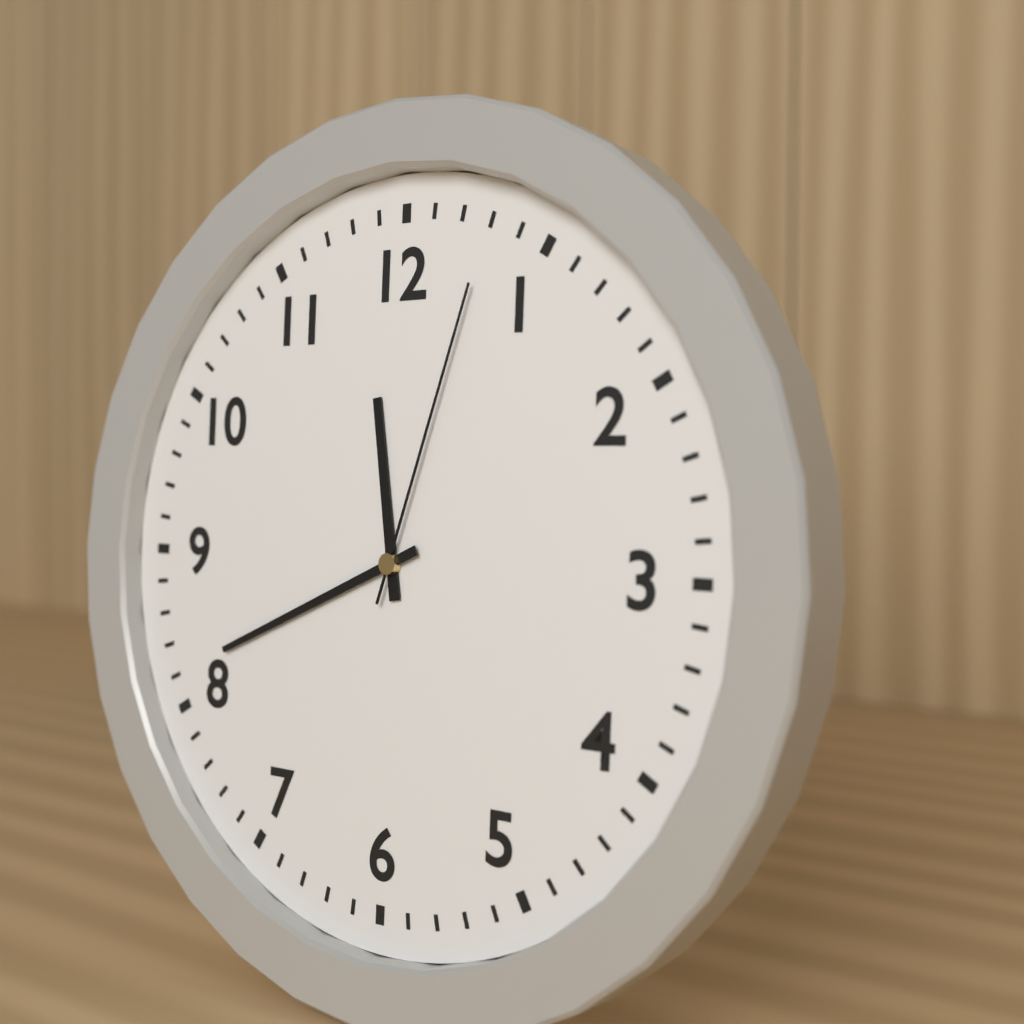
h=11 m=41 s=3
